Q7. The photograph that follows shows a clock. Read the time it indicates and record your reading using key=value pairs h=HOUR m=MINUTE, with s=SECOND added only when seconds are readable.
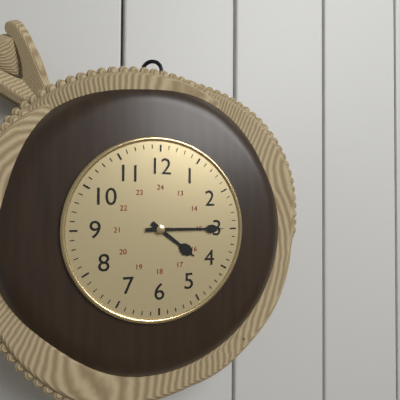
h=4 m=15
